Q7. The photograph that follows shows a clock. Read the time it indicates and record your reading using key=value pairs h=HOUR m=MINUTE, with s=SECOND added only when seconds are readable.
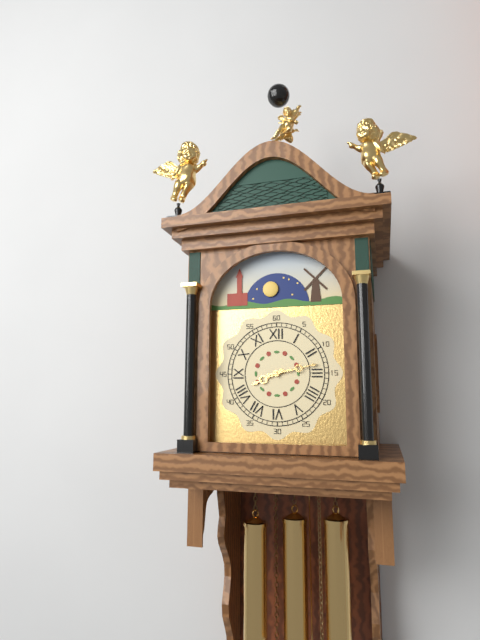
h=8 m=13
